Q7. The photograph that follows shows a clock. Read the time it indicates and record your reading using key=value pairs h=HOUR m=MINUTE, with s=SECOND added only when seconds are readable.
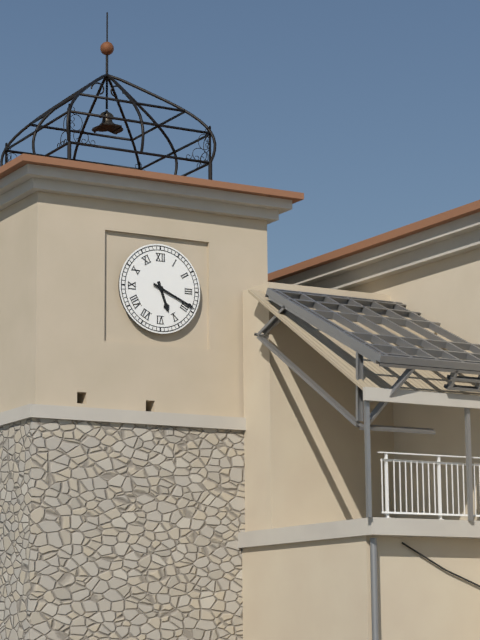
h=5 m=19
